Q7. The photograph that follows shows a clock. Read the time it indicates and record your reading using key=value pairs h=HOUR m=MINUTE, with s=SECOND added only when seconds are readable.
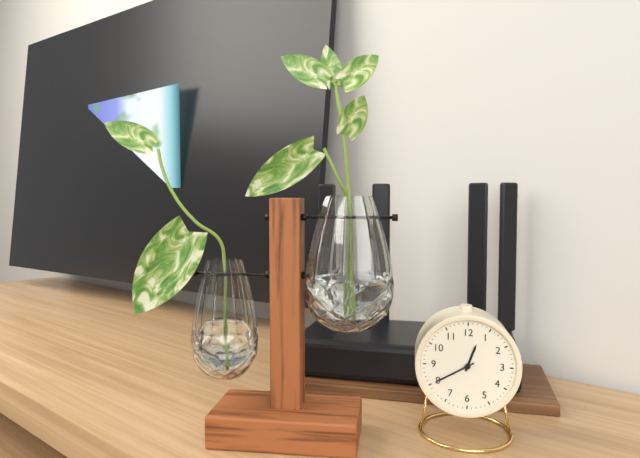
h=12 m=40
